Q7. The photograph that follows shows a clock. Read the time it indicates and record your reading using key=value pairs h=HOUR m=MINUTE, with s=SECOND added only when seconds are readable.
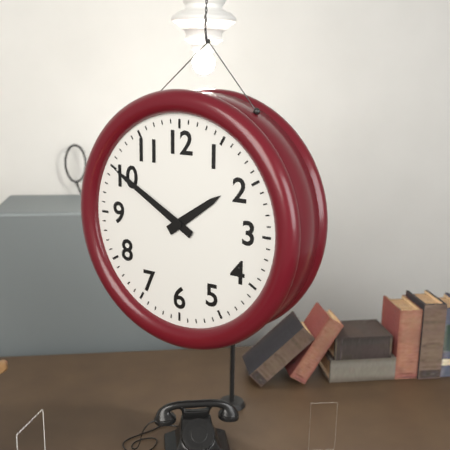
h=1 m=50
